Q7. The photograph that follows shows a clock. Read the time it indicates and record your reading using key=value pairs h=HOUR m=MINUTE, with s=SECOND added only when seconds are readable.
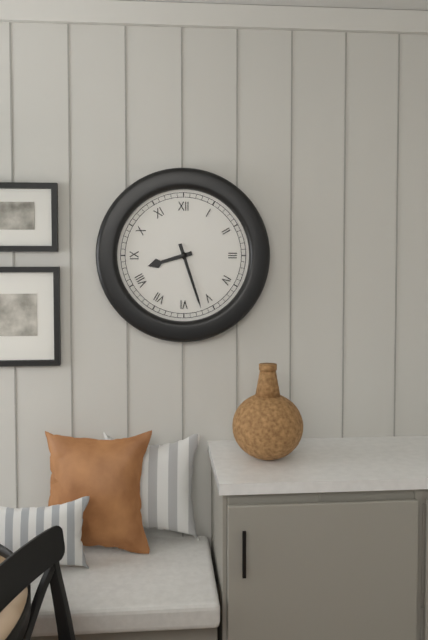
h=8 m=27
